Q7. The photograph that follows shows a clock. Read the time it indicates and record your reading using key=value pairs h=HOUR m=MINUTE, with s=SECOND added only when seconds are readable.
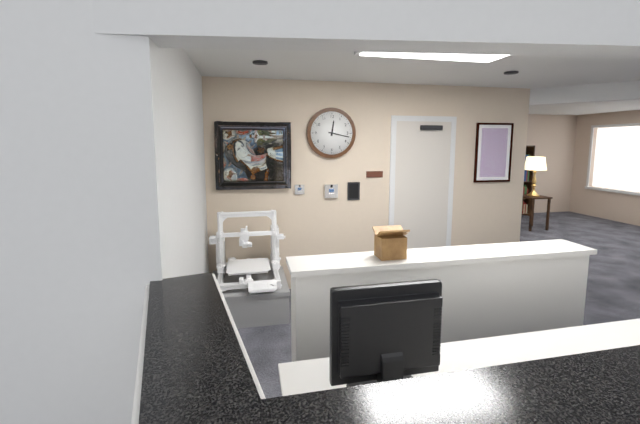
h=12 m=17
